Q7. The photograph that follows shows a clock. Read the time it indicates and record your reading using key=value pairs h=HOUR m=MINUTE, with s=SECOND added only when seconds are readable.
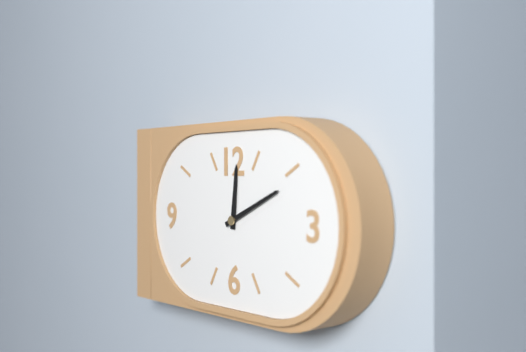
h=12 m=11
